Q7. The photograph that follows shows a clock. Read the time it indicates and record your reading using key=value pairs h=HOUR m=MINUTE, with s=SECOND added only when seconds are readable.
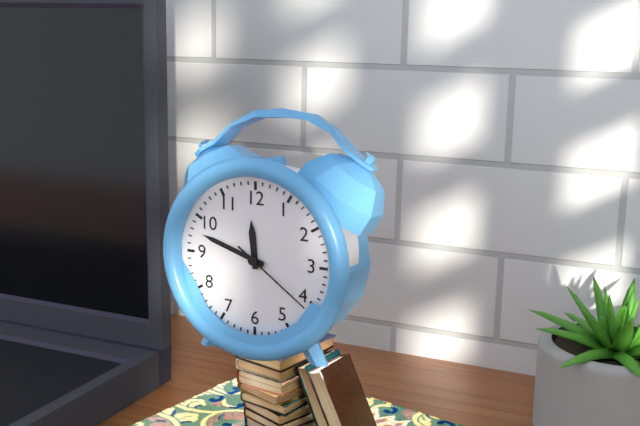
h=11 m=48 s=21
